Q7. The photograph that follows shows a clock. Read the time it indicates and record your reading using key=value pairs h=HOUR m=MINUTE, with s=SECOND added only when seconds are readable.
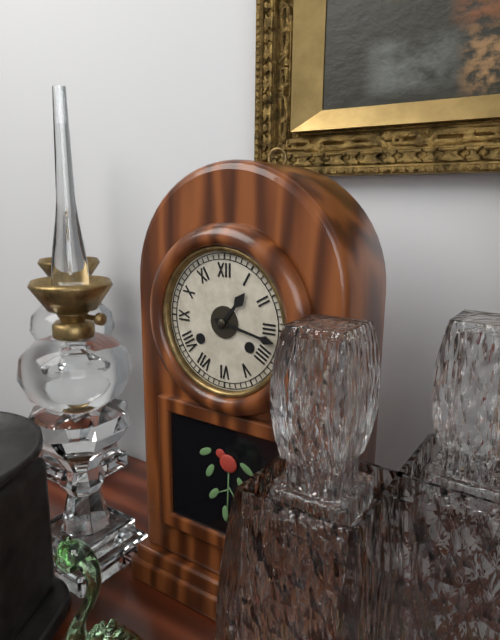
h=1 m=17
